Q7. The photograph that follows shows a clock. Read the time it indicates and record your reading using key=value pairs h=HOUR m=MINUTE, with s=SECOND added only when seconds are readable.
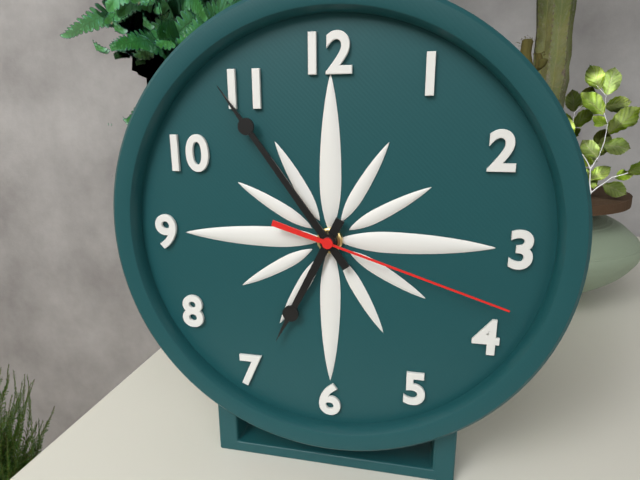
h=6 m=54 s=18
